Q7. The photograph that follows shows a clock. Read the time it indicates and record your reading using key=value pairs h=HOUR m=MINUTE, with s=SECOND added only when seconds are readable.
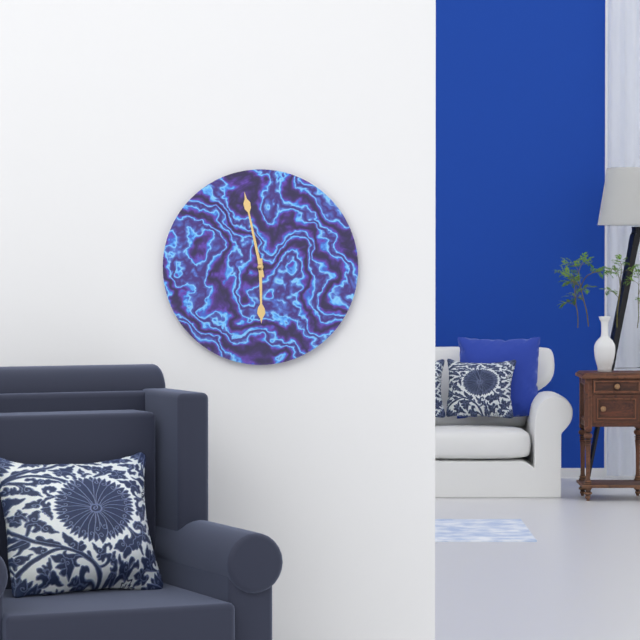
h=5 m=58
